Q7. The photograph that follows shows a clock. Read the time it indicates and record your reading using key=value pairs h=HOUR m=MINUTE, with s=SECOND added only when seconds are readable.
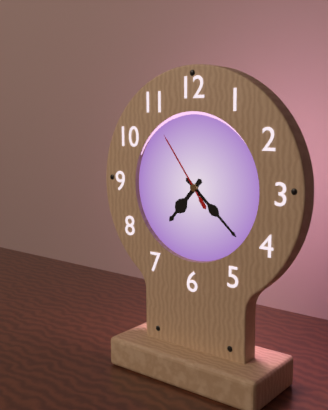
h=7 m=22 s=54
